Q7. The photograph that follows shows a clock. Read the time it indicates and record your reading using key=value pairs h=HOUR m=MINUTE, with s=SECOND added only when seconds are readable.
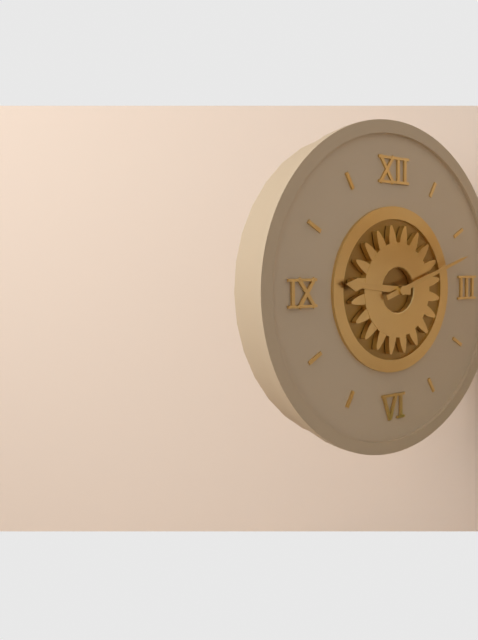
h=9 m=12
